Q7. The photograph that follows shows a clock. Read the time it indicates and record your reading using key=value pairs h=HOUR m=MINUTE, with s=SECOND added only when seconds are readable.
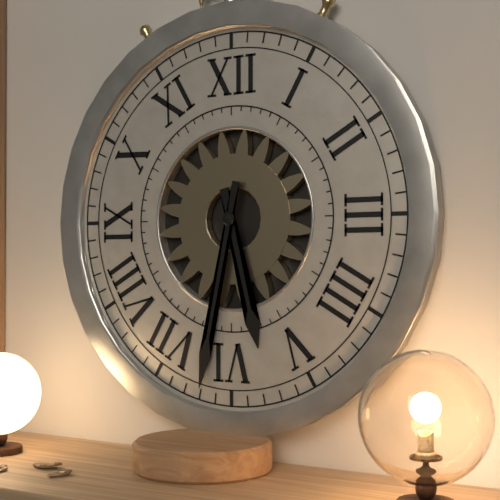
h=5 m=32
